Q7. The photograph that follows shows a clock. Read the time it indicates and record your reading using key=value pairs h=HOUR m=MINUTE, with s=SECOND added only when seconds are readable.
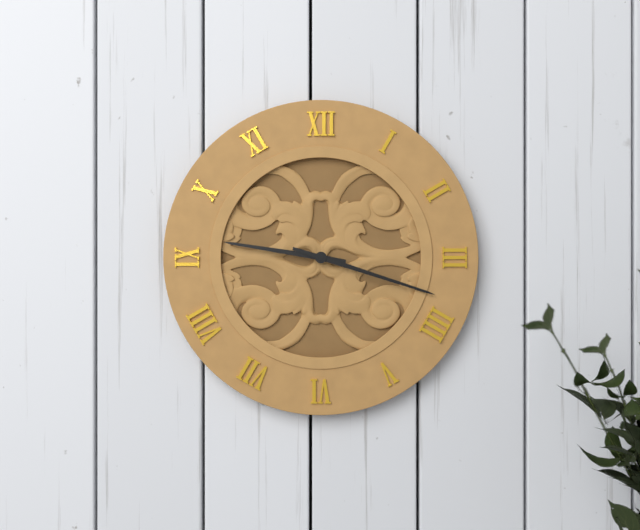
h=9 m=18
